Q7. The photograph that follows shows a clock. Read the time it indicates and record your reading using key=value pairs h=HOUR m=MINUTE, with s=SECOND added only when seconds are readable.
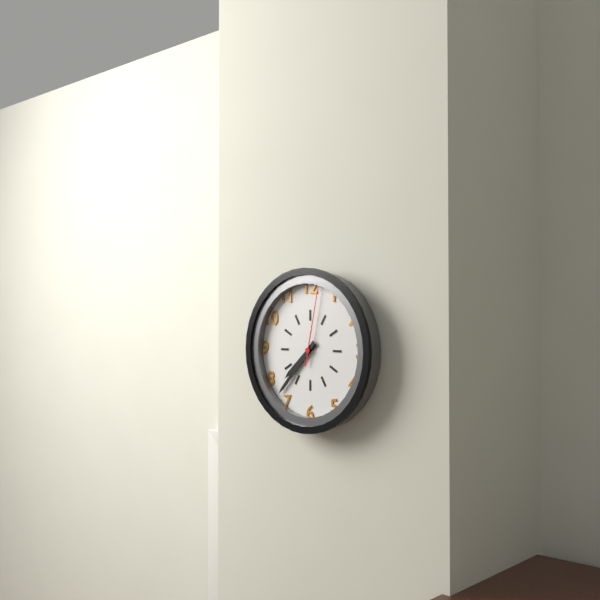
h=7 m=37 s=2
